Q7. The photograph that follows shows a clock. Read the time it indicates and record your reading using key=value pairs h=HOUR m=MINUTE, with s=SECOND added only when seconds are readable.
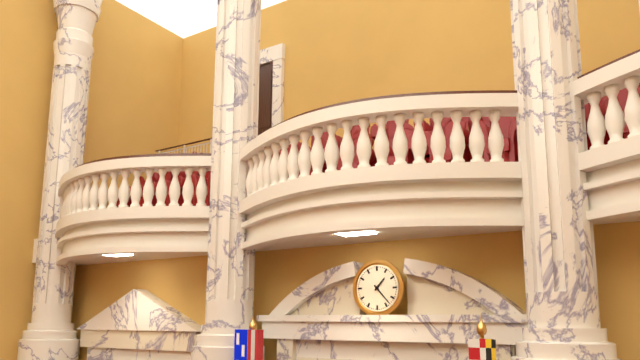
h=1 m=23
